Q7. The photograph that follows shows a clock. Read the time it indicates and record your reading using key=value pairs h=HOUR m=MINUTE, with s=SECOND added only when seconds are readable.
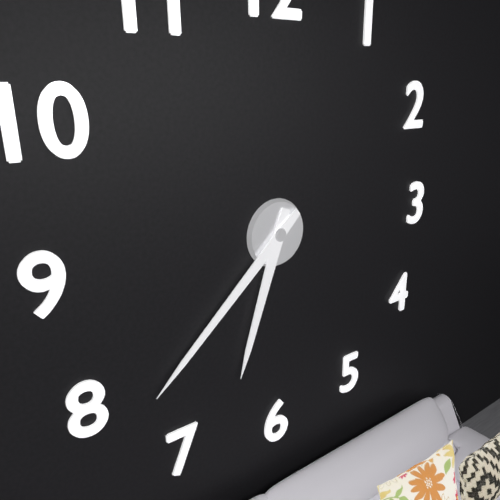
h=6 m=38
